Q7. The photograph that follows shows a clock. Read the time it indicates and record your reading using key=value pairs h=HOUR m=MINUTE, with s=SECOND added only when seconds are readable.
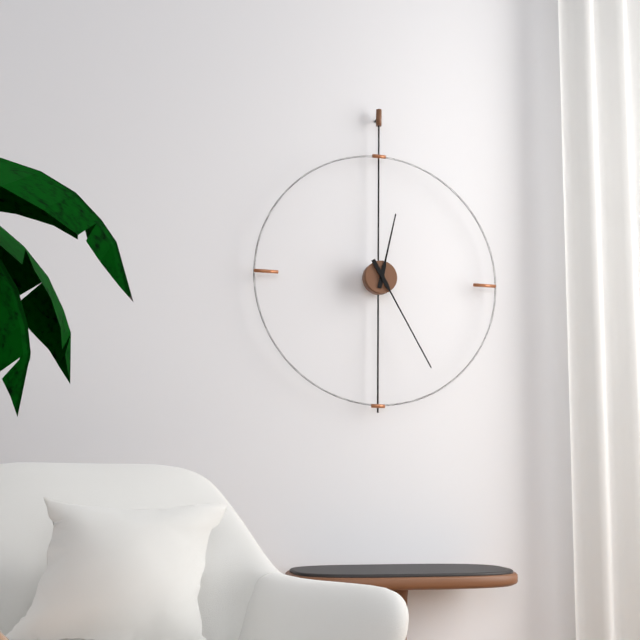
h=12 m=25
